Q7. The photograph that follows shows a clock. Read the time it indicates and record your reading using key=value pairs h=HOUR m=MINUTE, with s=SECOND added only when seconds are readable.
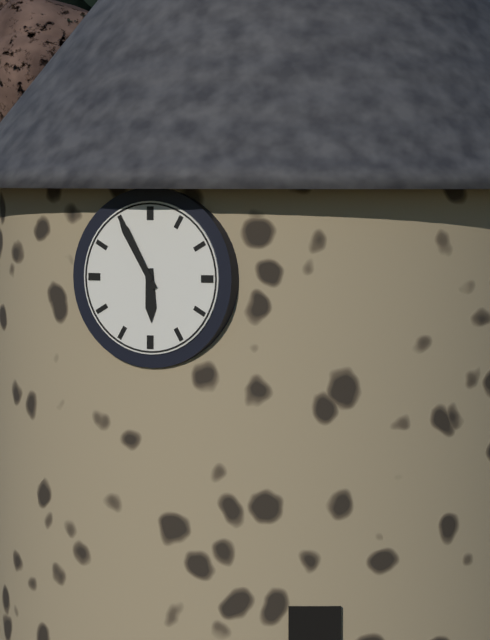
h=5 m=55
